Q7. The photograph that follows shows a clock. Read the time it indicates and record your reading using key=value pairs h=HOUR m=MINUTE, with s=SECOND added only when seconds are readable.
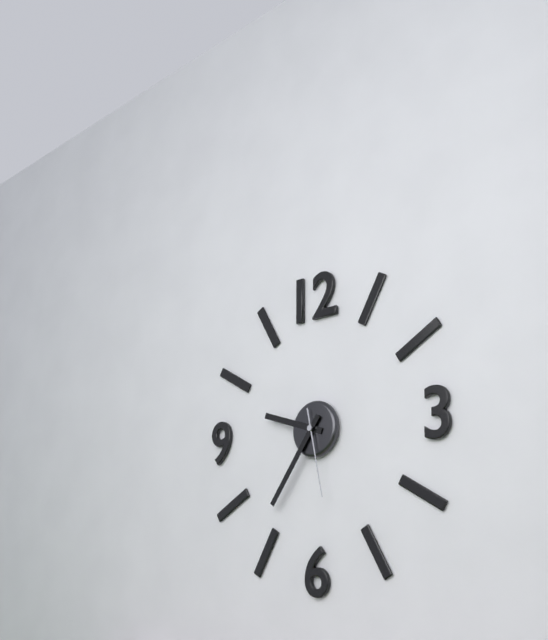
h=9 m=36 s=28
